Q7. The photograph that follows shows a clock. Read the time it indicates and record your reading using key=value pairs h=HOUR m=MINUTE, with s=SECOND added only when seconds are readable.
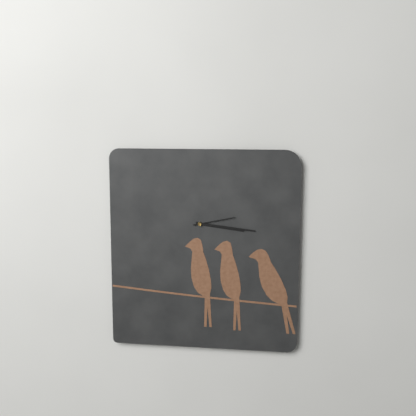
h=3 m=16
